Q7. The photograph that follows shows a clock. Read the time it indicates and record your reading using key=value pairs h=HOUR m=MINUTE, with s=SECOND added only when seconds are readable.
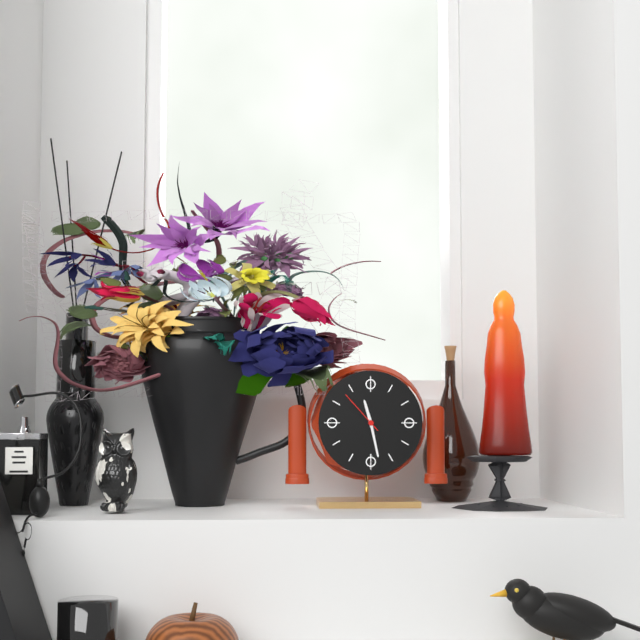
h=11 m=28
